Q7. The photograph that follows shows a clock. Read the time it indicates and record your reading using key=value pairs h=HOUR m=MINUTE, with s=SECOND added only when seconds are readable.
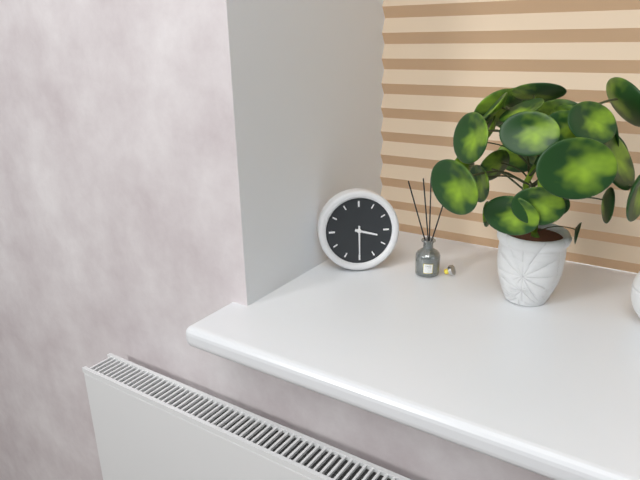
h=3 m=30
